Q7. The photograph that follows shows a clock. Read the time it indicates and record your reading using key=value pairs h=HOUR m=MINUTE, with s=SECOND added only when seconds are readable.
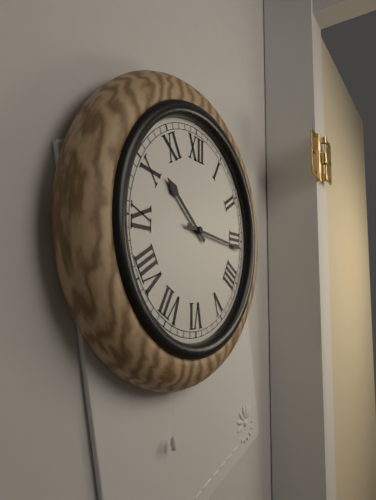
h=10 m=16
